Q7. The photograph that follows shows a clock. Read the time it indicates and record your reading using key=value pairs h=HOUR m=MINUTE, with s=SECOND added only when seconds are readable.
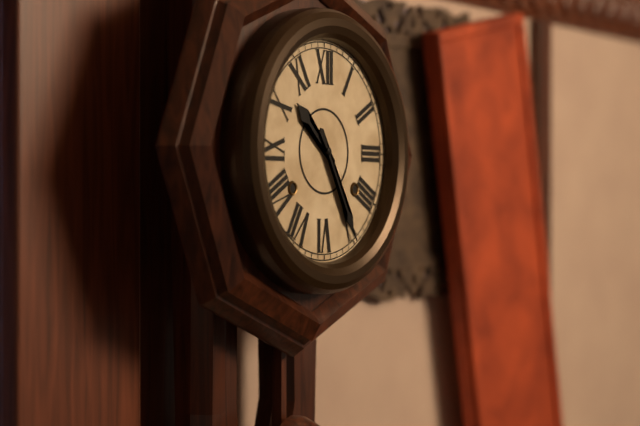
h=10 m=25
